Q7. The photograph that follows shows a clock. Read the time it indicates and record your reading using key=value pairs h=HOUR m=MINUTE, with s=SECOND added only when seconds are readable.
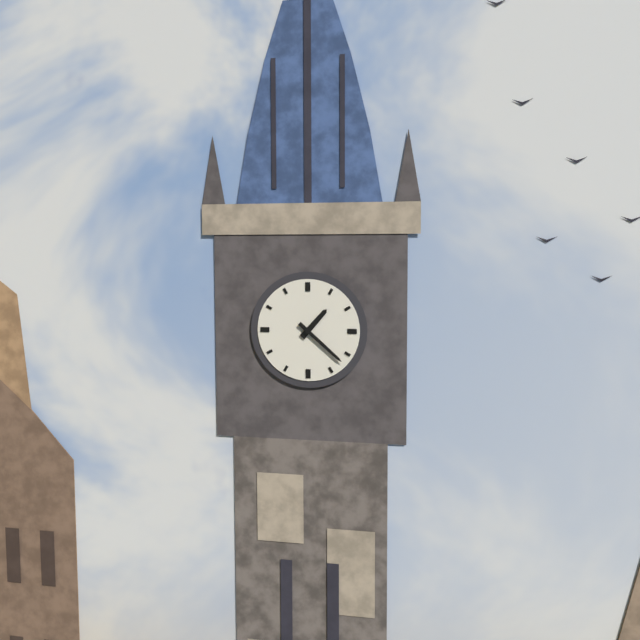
h=1 m=22
